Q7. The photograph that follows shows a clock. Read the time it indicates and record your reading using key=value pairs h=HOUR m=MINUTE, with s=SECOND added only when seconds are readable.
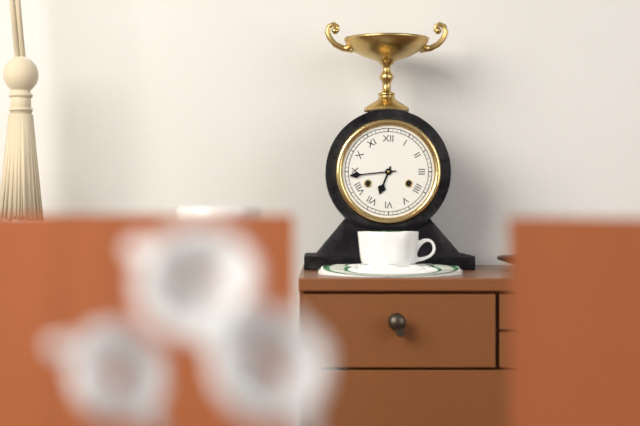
h=6 m=44
